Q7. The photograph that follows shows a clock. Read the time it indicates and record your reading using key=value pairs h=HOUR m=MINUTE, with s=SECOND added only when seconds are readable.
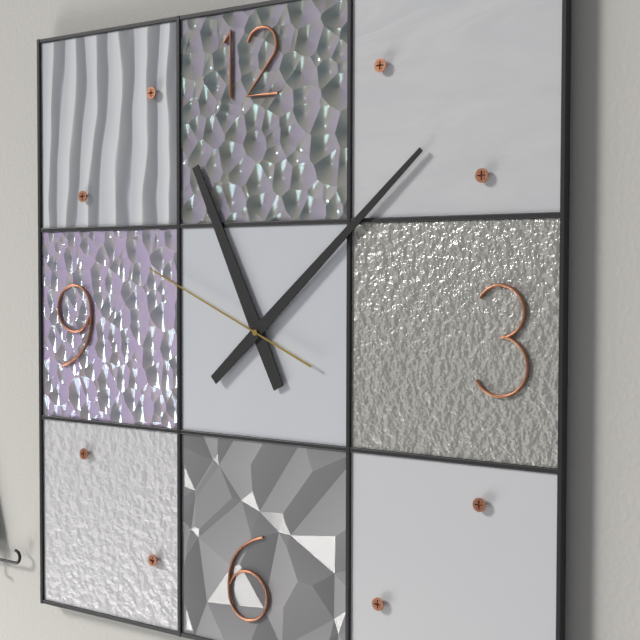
h=11 m=8 s=49
